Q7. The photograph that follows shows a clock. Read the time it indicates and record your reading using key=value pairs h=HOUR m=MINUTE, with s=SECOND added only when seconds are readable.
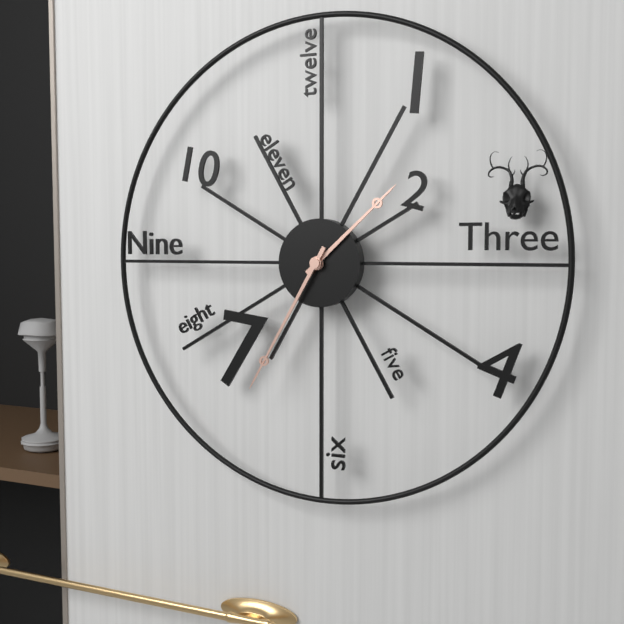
h=1 m=35
